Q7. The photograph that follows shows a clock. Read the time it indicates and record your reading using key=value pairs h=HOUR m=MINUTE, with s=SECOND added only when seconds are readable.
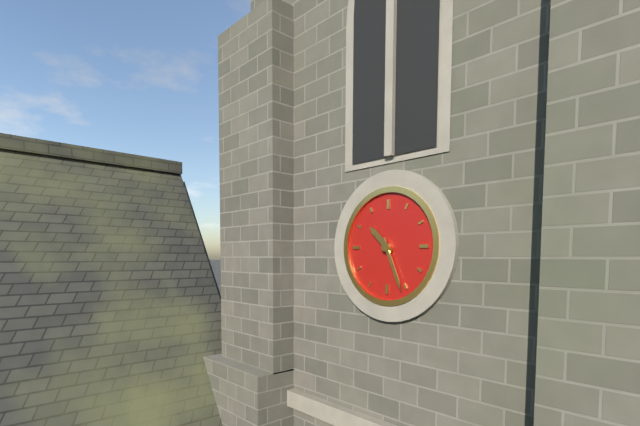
h=10 m=26
